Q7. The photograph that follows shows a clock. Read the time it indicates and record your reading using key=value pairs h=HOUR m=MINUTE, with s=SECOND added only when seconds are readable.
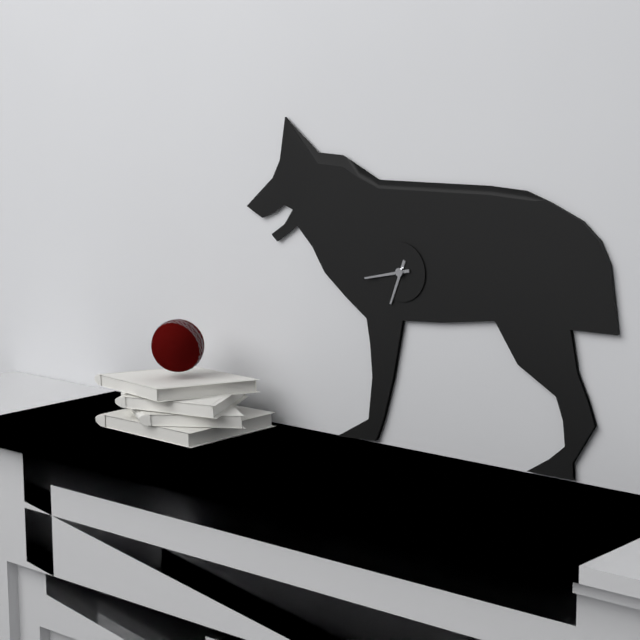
h=6 m=43
